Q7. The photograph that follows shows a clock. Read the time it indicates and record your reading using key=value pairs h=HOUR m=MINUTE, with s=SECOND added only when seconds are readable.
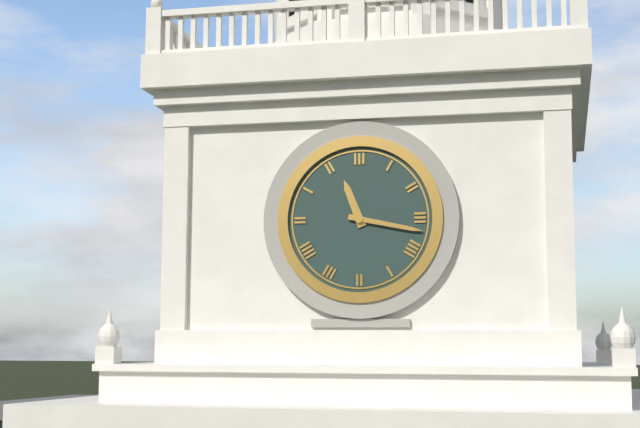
h=11 m=17
